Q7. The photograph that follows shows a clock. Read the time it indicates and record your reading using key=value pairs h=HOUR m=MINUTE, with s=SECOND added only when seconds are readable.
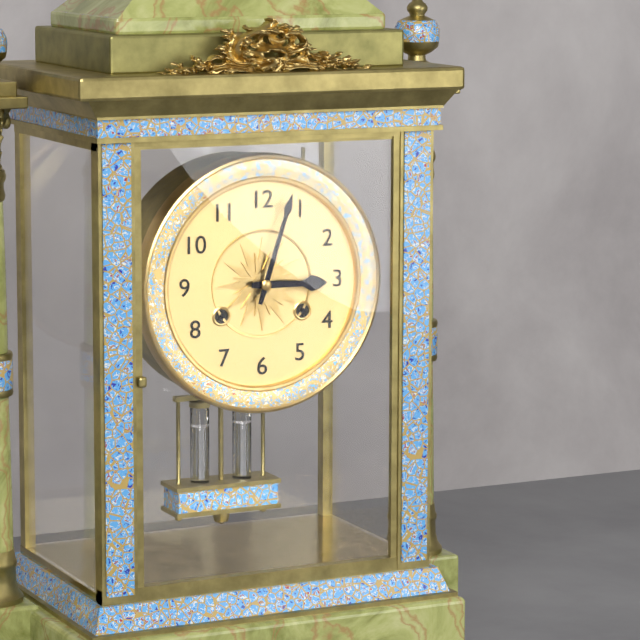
h=3 m=3
